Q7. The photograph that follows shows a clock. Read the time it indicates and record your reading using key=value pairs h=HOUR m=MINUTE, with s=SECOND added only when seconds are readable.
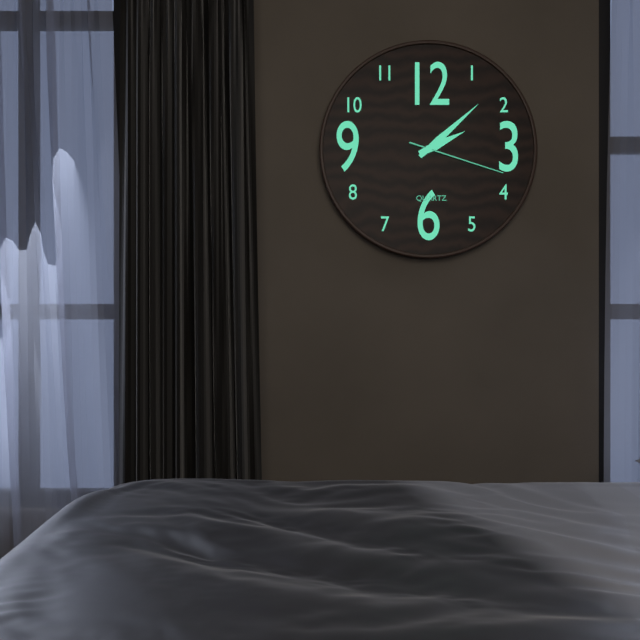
h=2 m=8 s=18
